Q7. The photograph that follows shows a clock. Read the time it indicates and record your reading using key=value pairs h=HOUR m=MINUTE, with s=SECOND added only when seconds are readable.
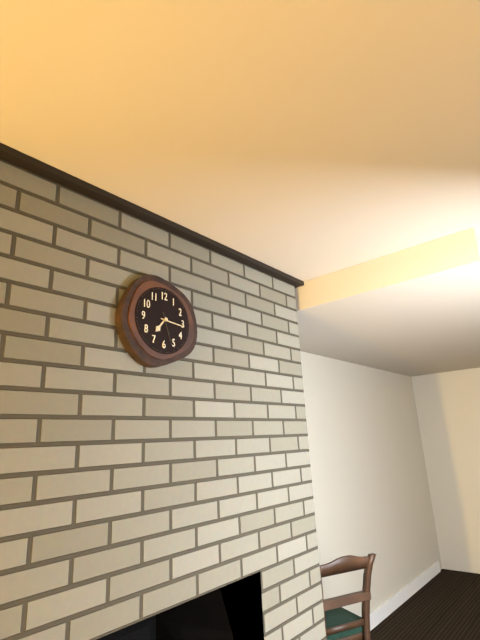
h=7 m=16
